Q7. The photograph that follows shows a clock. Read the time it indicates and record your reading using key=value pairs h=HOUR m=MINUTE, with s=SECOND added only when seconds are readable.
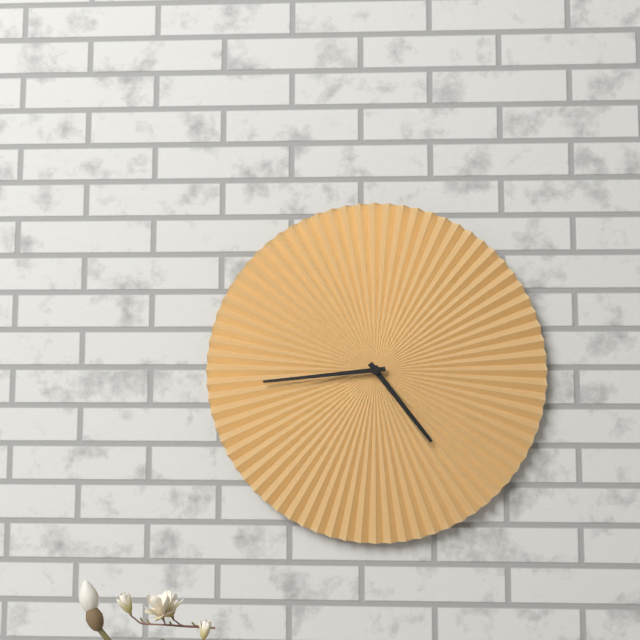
h=4 m=44
